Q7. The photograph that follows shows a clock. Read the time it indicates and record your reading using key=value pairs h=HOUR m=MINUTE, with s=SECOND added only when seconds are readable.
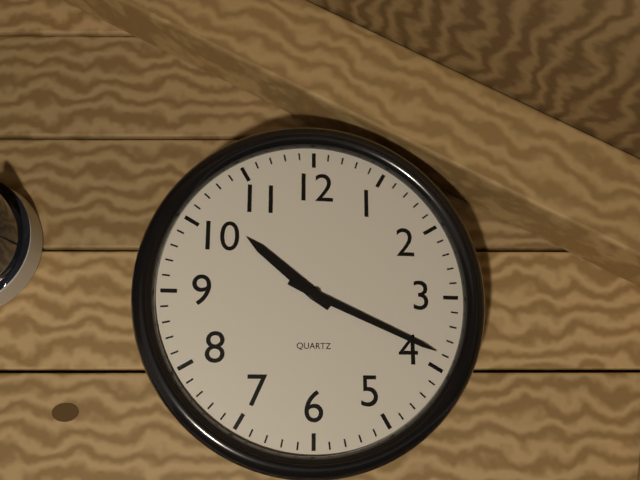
h=10 m=19
